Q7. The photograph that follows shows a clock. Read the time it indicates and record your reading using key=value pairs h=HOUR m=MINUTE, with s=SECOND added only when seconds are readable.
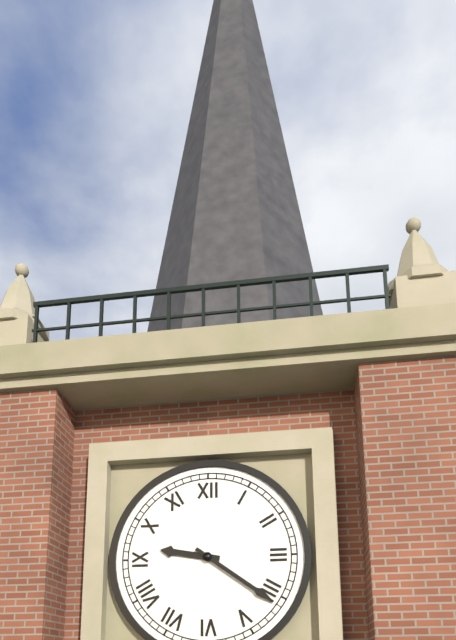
h=9 m=21
